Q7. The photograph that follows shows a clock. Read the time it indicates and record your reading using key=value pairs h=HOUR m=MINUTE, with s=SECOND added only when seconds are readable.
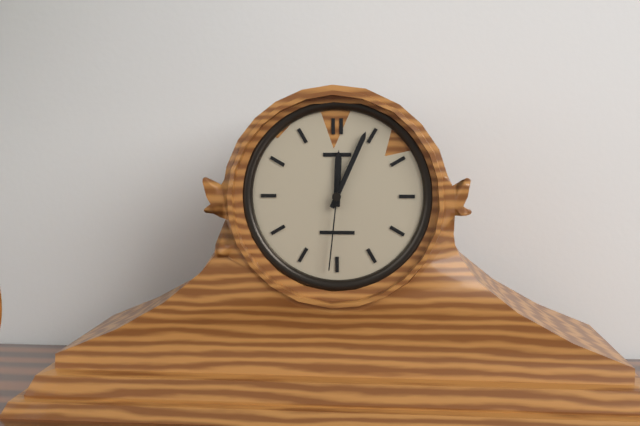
h=12 m=4 s=31
